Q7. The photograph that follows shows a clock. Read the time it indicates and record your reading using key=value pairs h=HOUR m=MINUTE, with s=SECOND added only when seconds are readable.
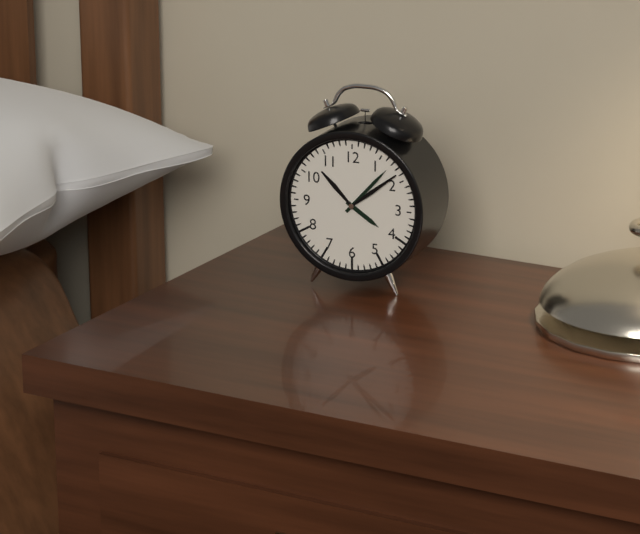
h=4 m=7
